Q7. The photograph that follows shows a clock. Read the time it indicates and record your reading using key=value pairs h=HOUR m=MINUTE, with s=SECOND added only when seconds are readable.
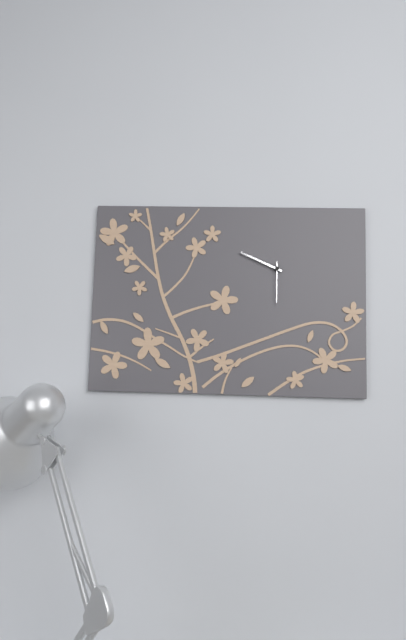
h=9 m=49
